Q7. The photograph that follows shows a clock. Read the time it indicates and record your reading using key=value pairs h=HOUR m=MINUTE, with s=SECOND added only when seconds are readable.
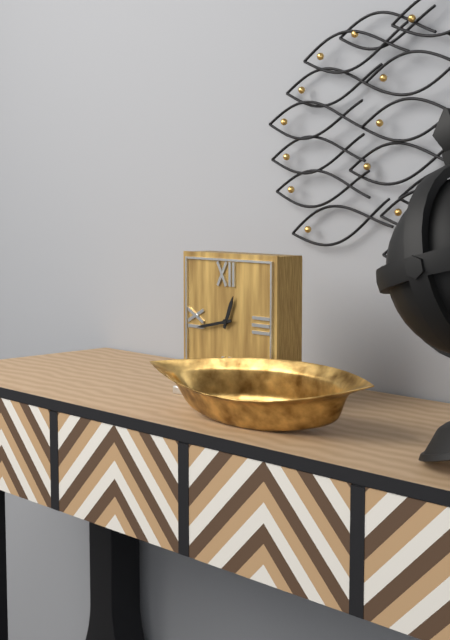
h=12 m=43
